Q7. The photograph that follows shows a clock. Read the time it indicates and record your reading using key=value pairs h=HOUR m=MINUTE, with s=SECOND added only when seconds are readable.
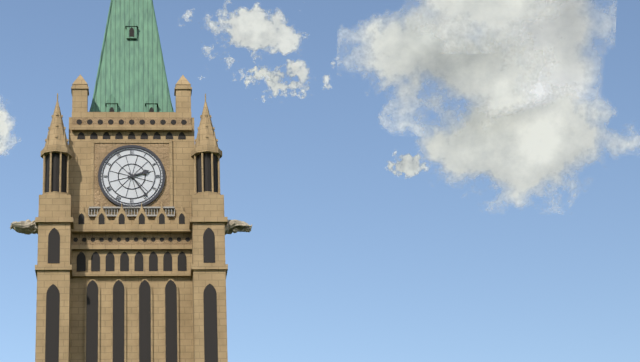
h=2 m=24
